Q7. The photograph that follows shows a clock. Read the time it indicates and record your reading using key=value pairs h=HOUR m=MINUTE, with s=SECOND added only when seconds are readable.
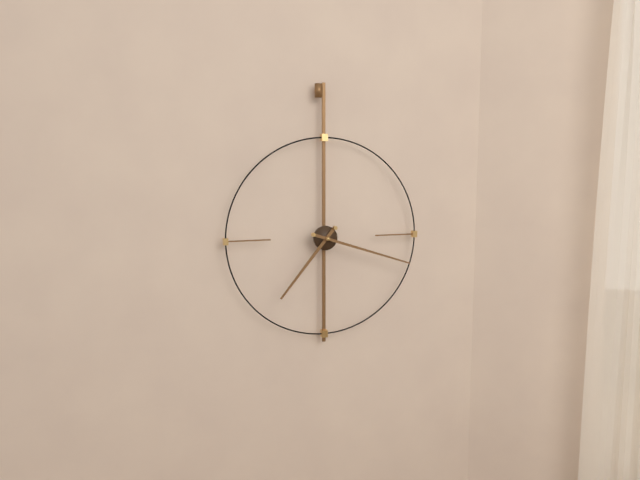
h=7 m=18
